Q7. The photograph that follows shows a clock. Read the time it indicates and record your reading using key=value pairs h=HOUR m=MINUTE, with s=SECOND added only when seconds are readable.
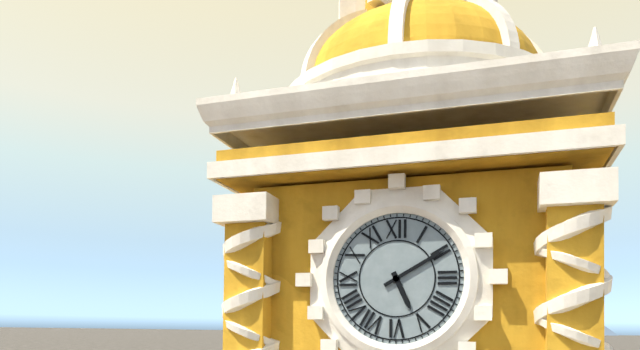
h=5 m=10
